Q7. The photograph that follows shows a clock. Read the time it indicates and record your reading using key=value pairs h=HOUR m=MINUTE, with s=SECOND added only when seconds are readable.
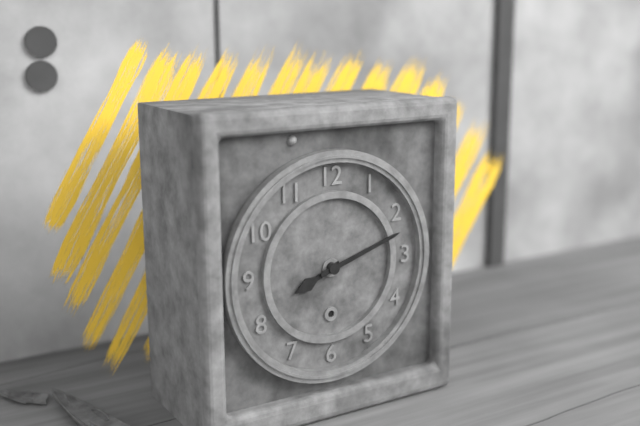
h=8 m=12
